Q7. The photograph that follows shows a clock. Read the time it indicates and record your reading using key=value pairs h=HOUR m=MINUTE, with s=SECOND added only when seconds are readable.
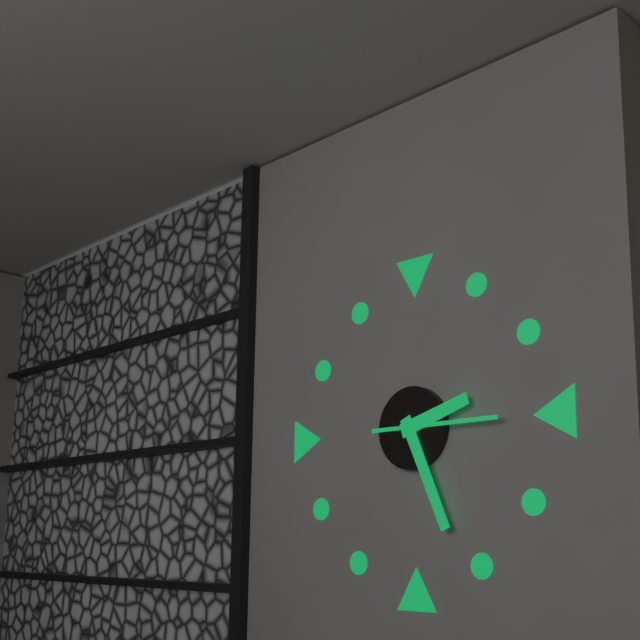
h=2 m=26 s=15
